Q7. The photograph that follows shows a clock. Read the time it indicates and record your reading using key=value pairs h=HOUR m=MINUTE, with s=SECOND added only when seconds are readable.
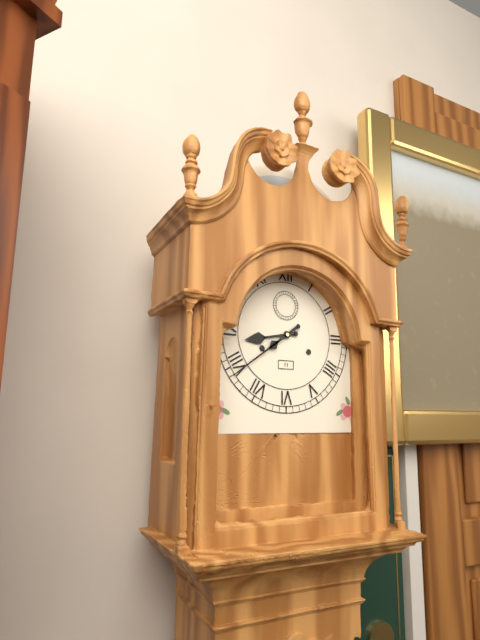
h=8 m=39
